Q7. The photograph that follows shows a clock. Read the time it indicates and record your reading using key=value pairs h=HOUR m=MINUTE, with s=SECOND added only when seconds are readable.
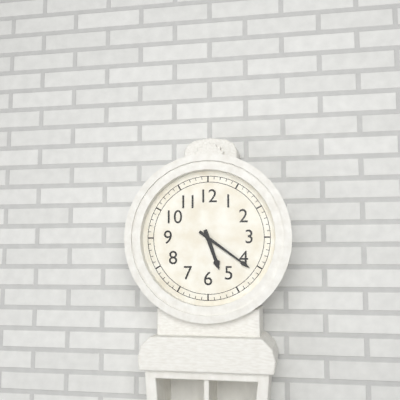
h=5 m=21
